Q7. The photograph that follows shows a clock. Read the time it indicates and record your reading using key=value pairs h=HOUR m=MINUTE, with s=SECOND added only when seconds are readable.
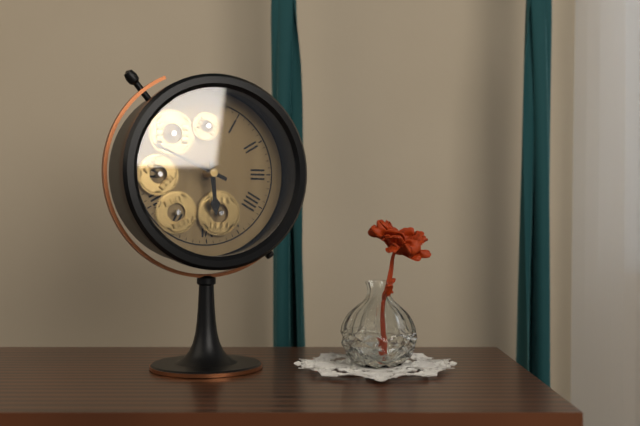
h=5 m=49
